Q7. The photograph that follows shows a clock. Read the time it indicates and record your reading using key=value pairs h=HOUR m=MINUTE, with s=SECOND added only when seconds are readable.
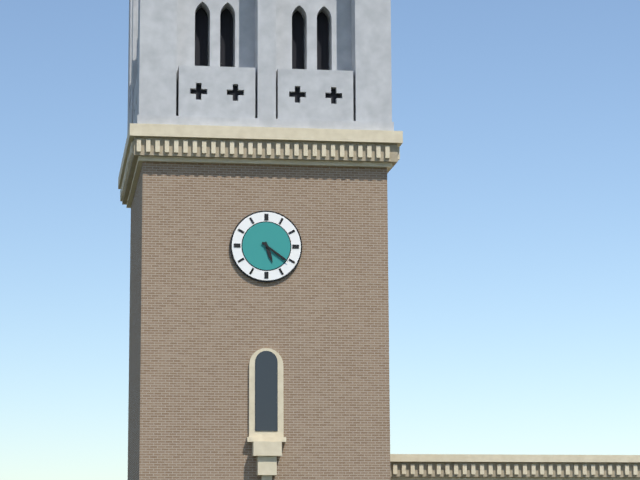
h=5 m=21
